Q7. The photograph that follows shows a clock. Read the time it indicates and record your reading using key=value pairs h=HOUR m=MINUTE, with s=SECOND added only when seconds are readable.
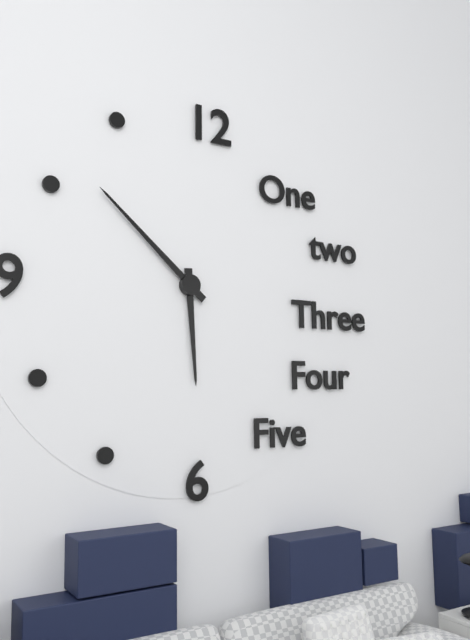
h=5 m=52
